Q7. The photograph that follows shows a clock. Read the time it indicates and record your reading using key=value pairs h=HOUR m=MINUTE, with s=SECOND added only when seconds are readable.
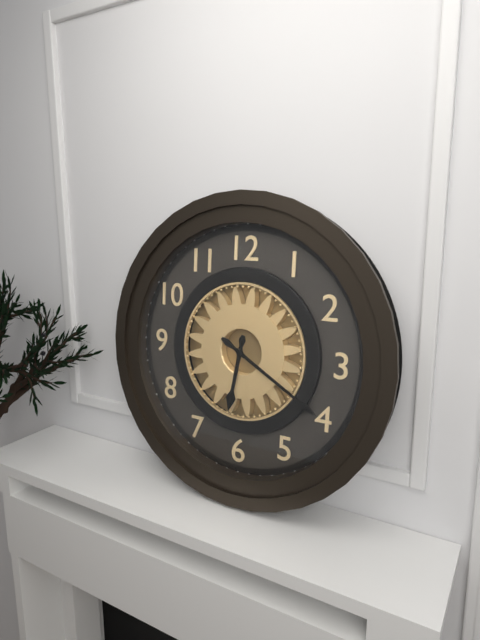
h=6 m=20
